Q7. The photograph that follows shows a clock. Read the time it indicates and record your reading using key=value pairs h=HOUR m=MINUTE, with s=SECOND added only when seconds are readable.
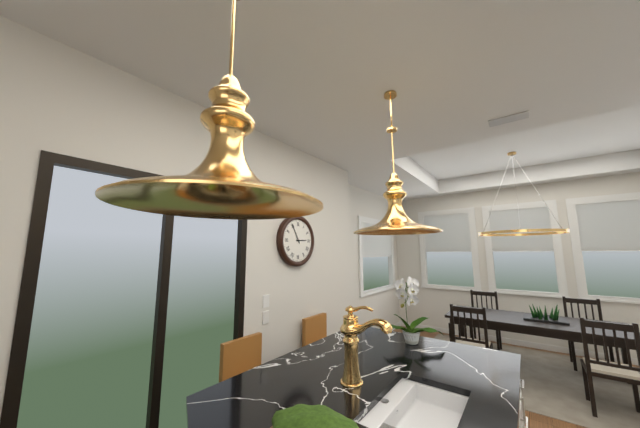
h=2 m=55
